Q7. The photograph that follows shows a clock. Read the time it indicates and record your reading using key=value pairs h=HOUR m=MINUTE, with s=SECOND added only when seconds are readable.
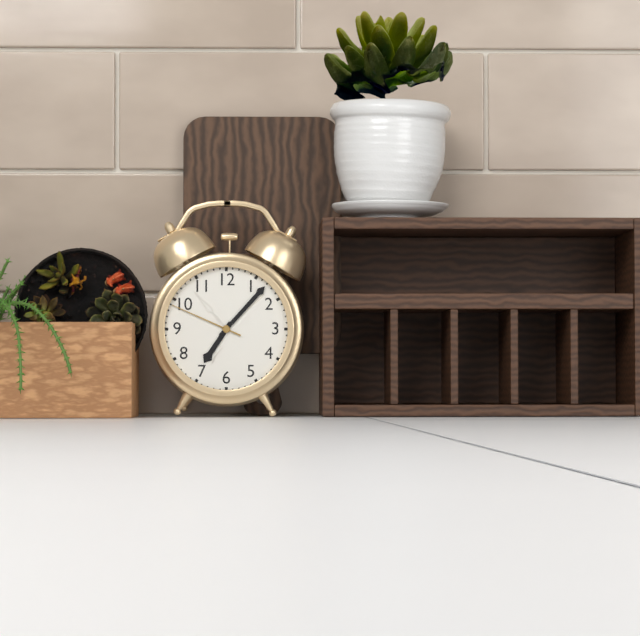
h=7 m=7 s=49
